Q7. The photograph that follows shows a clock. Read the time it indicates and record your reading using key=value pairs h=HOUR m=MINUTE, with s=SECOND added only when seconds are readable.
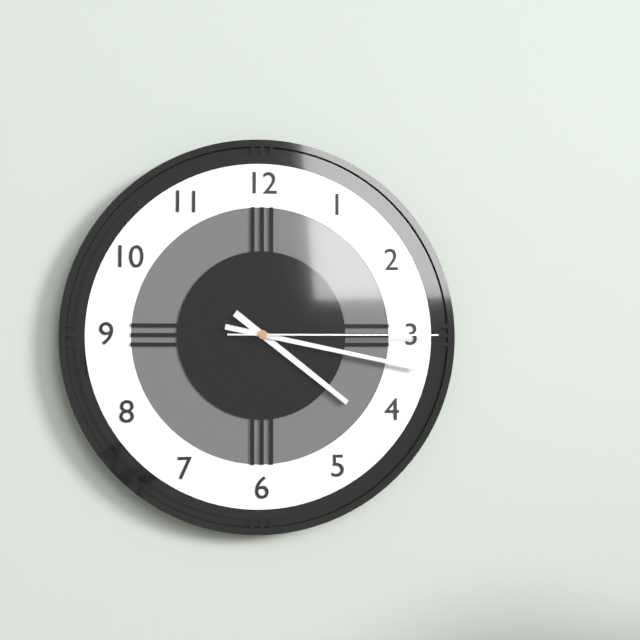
h=4 m=17 s=15
